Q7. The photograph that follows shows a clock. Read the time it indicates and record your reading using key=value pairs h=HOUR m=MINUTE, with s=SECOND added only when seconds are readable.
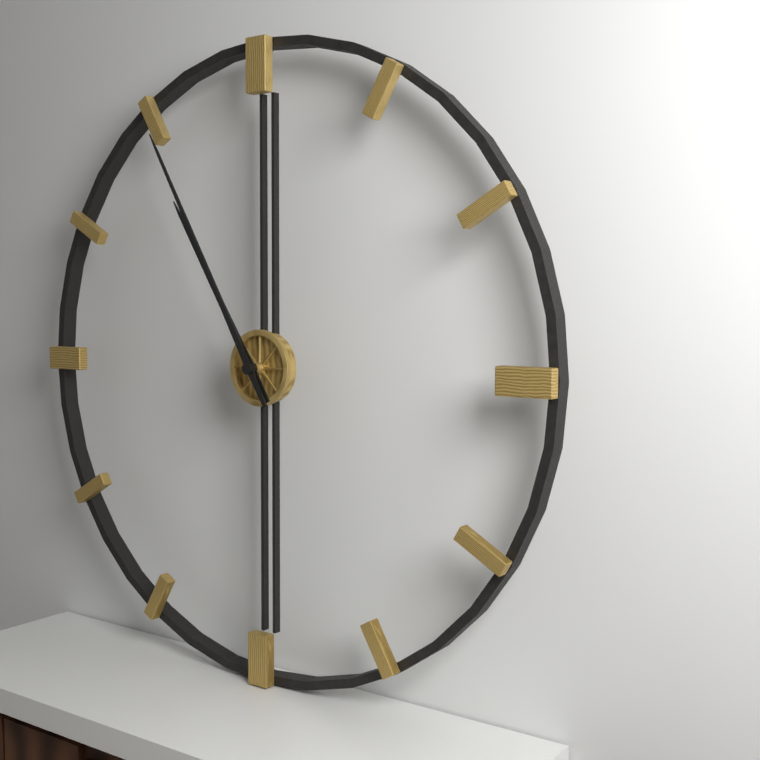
h=10 m=55
